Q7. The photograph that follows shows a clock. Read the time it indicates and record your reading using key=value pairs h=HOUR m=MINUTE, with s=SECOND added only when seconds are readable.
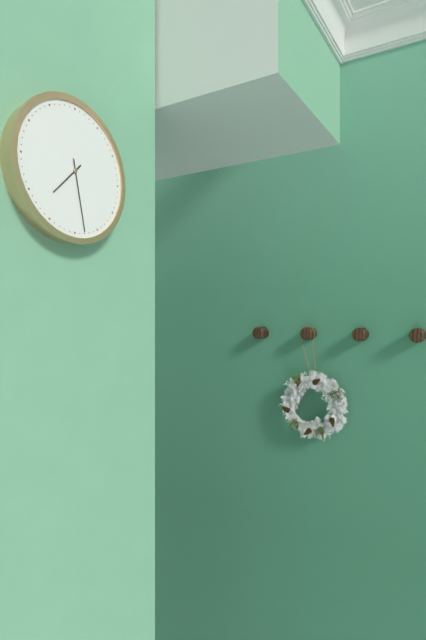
h=7 m=28
